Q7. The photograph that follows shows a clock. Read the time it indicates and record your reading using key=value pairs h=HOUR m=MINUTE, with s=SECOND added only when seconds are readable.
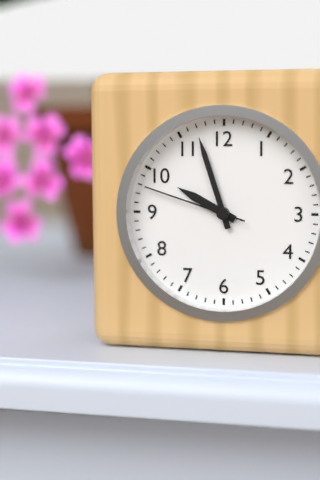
h=9 m=57 s=48
